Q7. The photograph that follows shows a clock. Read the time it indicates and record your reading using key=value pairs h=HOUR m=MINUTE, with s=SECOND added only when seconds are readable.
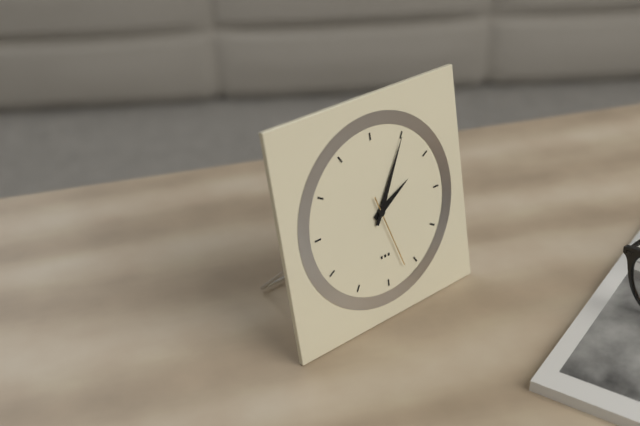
h=2 m=5 s=27
